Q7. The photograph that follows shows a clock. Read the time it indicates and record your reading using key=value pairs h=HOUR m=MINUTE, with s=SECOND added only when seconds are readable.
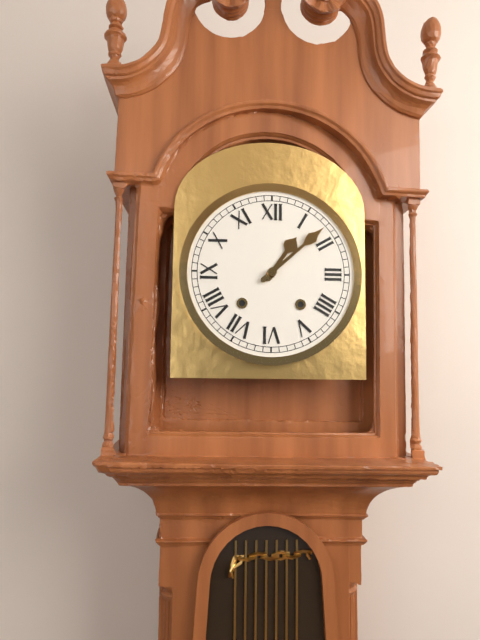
h=1 m=8
